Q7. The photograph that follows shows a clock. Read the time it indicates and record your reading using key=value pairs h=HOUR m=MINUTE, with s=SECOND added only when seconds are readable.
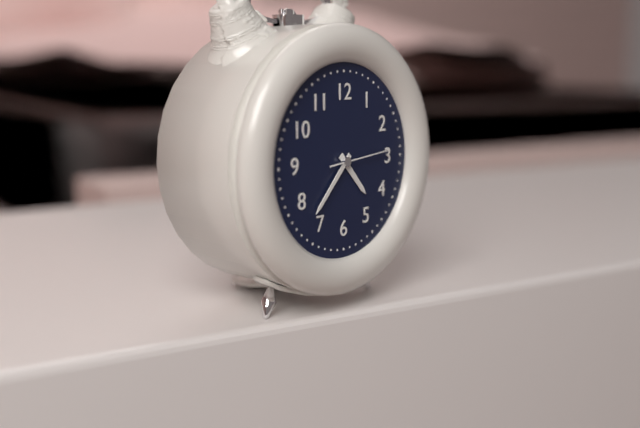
h=4 m=37 s=14
